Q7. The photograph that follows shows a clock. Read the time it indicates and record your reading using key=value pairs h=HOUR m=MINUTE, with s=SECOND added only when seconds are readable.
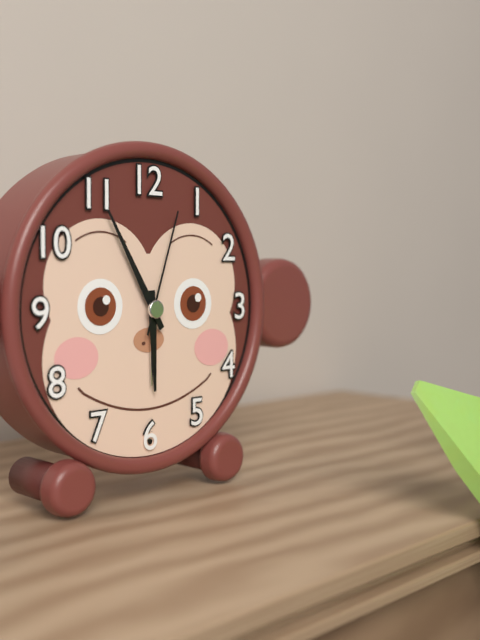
h=5 m=55 s=3
